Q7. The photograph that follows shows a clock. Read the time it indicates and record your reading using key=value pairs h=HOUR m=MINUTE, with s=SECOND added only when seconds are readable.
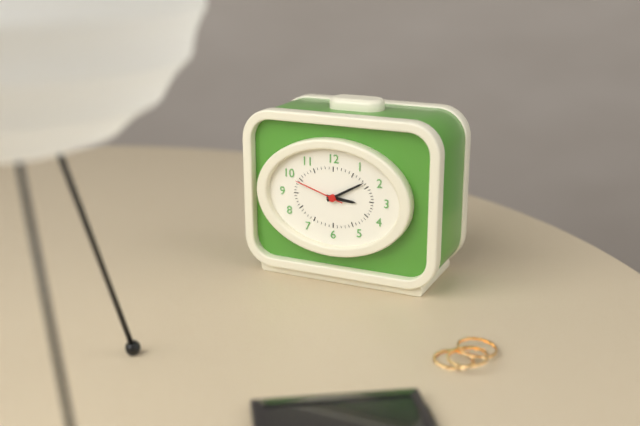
h=3 m=10 s=48
